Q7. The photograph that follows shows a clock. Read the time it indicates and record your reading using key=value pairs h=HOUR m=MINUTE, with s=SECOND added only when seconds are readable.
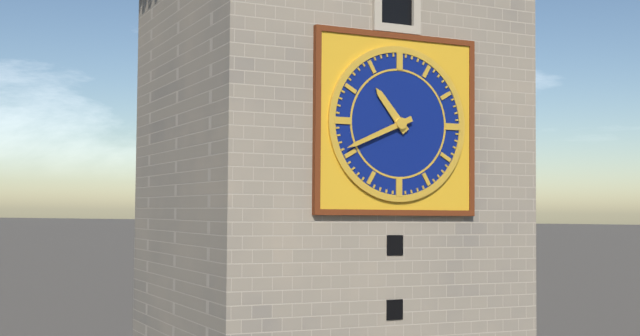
h=10 m=41
